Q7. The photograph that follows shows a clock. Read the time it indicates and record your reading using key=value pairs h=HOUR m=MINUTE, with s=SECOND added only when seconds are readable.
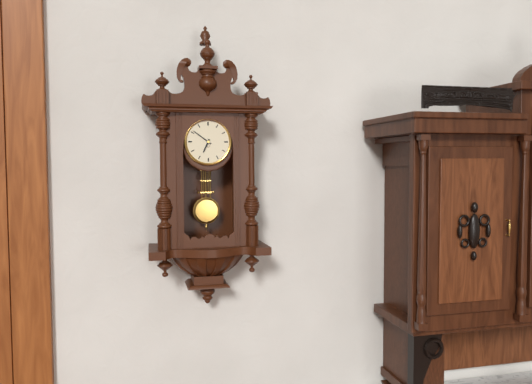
h=6 m=51
